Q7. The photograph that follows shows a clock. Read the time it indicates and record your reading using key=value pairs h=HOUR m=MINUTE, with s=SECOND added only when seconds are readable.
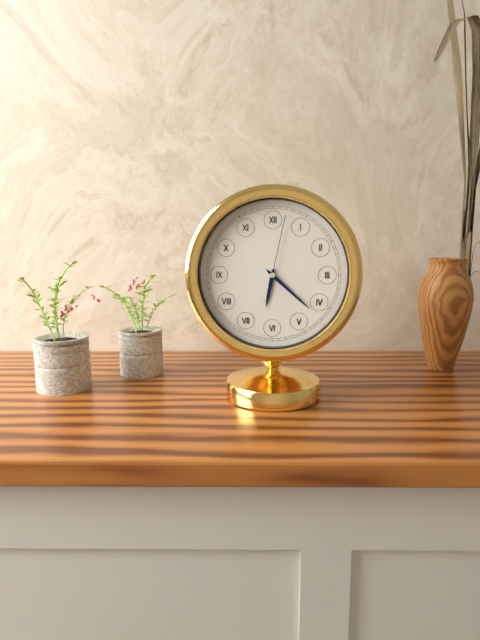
h=6 m=22 s=2
